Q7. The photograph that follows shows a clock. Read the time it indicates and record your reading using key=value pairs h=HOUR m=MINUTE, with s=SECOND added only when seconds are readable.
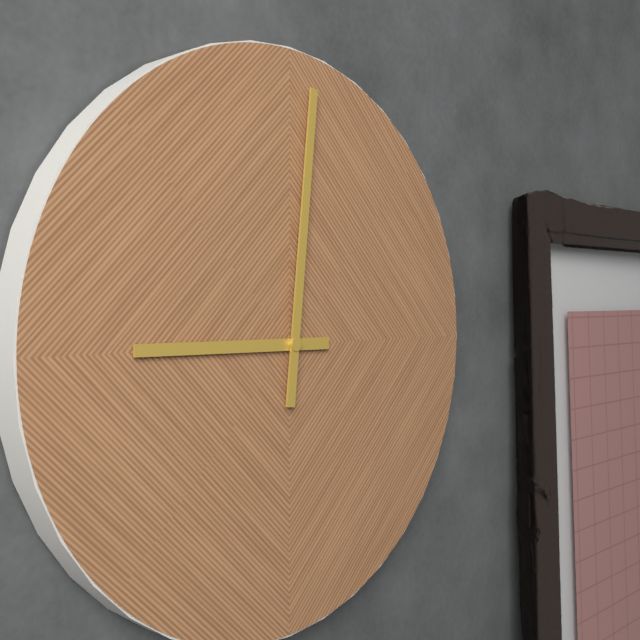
h=9 m=1
